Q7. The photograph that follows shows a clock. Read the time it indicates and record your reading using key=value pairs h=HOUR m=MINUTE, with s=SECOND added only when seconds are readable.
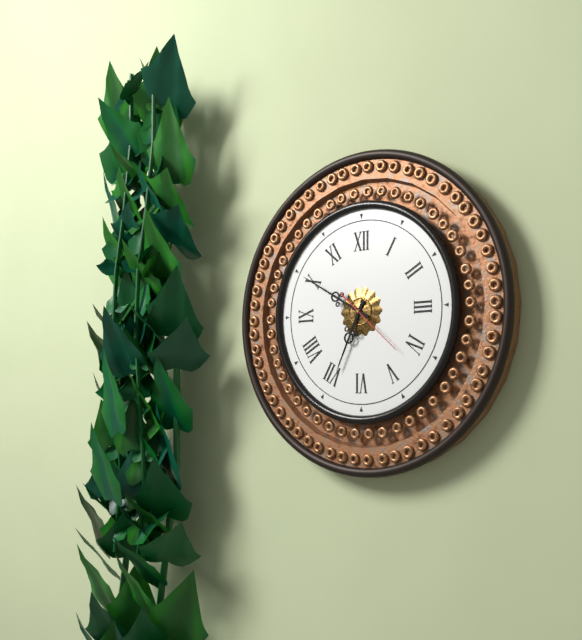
h=6 m=50 s=22
